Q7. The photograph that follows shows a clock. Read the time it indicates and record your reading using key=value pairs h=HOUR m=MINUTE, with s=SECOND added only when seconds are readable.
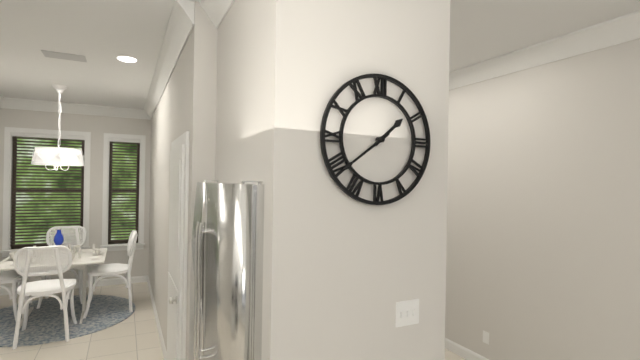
h=1 m=39
